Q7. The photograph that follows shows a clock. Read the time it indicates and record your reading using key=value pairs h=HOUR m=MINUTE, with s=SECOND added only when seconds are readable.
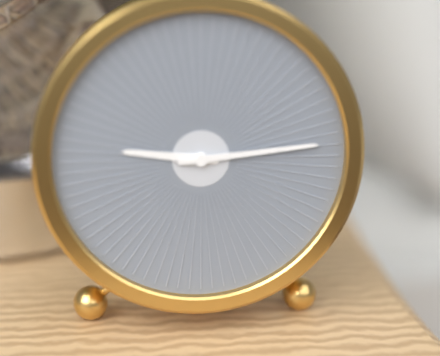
h=9 m=14
